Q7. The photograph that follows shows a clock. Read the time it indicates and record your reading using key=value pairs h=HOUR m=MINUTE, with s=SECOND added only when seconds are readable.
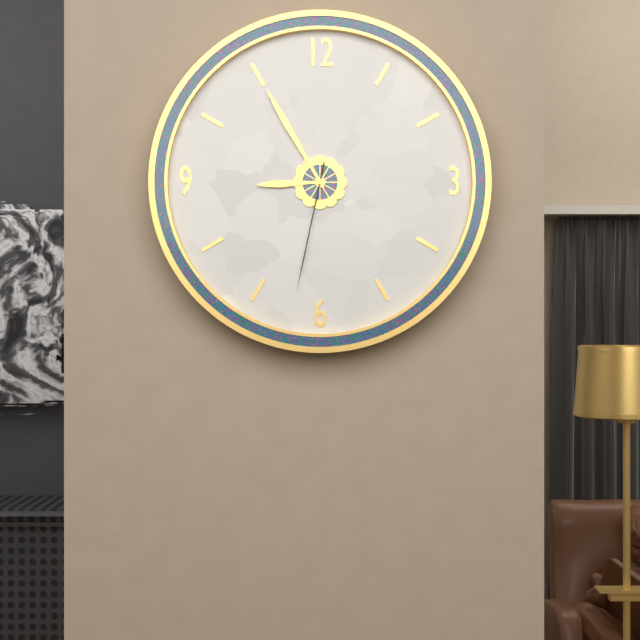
h=8 m=55 s=32
